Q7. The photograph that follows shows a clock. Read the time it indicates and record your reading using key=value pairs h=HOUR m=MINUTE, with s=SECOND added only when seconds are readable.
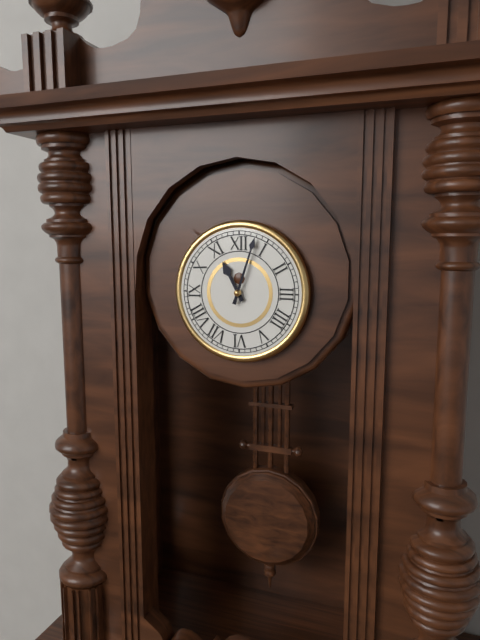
h=11 m=3
